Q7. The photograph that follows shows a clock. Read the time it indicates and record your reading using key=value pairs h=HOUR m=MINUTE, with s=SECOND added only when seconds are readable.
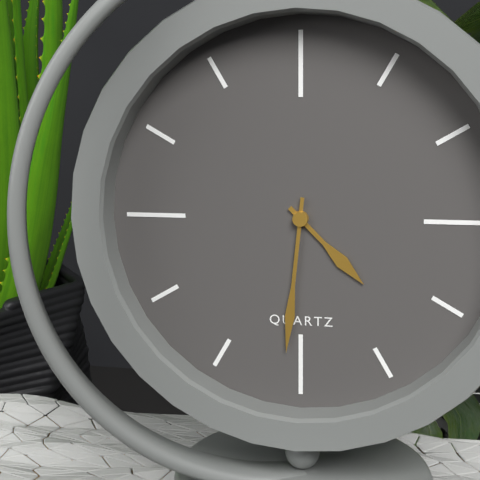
h=4 m=31
